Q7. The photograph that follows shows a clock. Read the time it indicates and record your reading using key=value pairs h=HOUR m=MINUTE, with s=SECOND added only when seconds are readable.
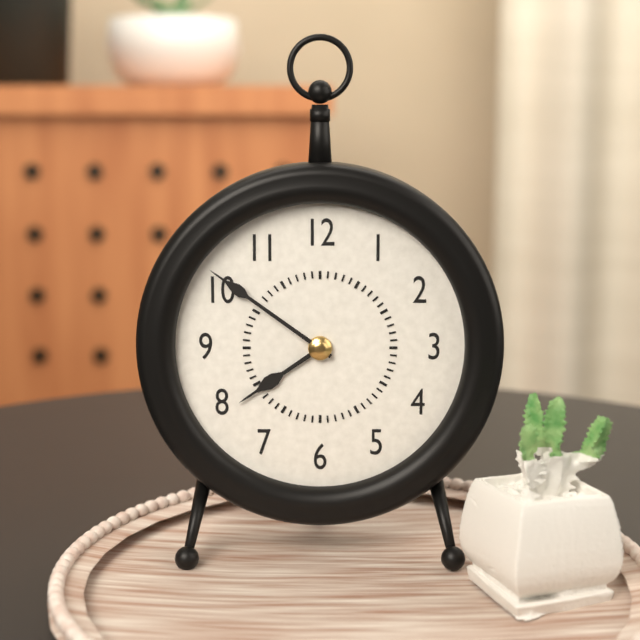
h=7 m=51
